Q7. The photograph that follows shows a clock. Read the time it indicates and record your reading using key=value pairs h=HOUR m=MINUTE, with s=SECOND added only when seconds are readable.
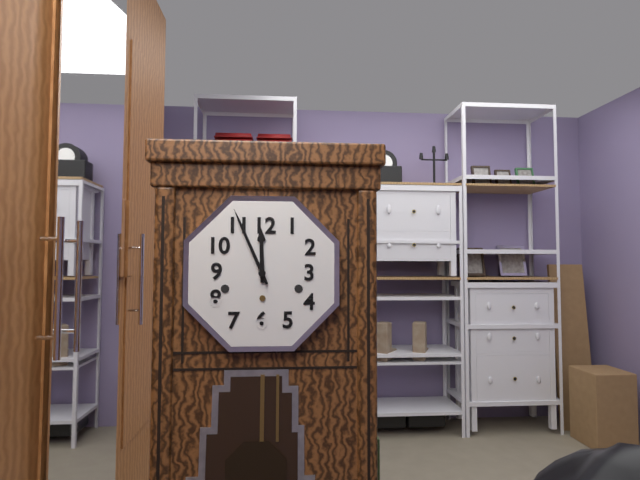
h=11 m=56
